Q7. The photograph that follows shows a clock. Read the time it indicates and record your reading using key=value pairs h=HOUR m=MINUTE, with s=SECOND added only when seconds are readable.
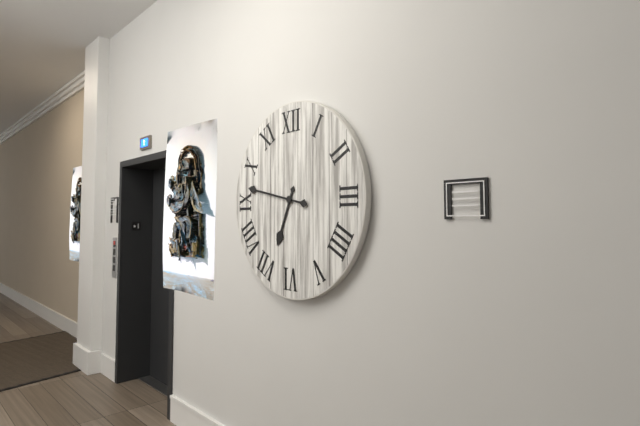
h=6 m=47
